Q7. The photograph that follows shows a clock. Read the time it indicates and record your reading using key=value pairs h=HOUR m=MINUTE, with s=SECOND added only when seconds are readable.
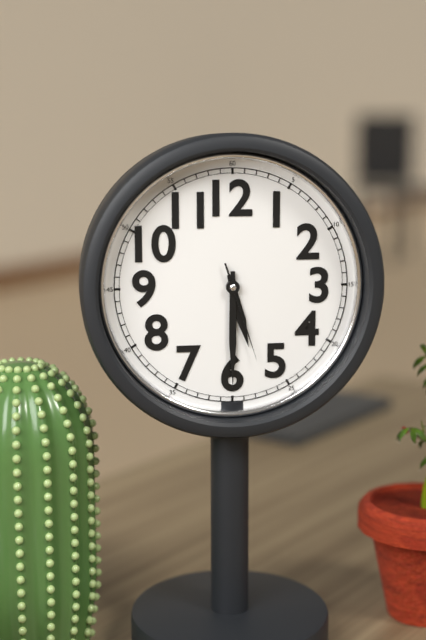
h=5 m=30 s=27
